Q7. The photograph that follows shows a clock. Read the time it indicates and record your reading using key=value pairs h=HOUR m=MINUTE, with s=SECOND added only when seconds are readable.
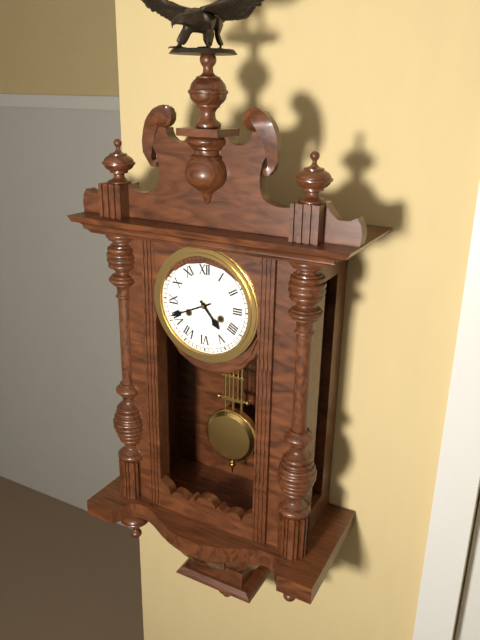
h=4 m=41
